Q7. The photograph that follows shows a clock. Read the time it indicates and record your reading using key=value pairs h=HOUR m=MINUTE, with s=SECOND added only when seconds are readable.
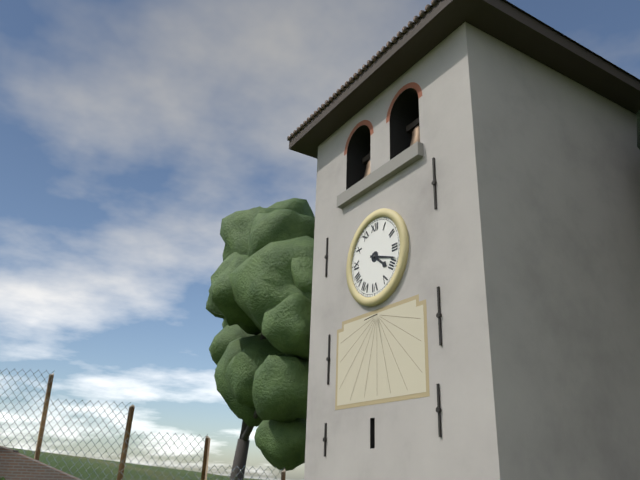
h=4 m=18
